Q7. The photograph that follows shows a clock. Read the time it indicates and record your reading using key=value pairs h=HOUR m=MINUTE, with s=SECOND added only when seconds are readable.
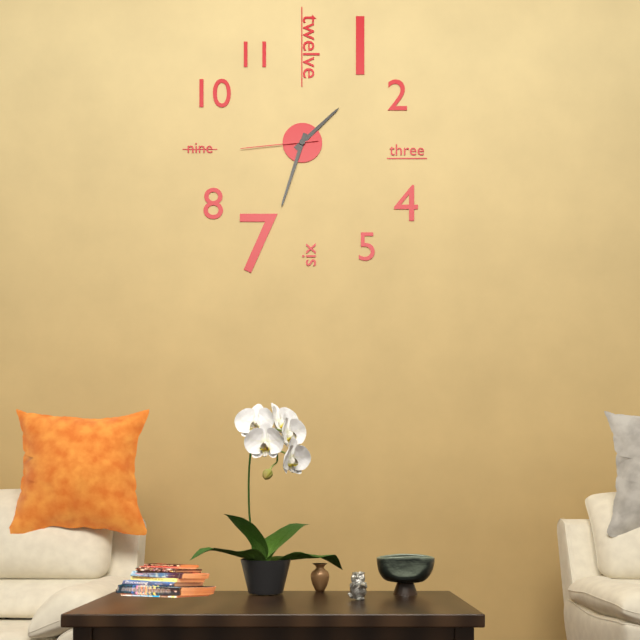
h=1 m=33 s=44
